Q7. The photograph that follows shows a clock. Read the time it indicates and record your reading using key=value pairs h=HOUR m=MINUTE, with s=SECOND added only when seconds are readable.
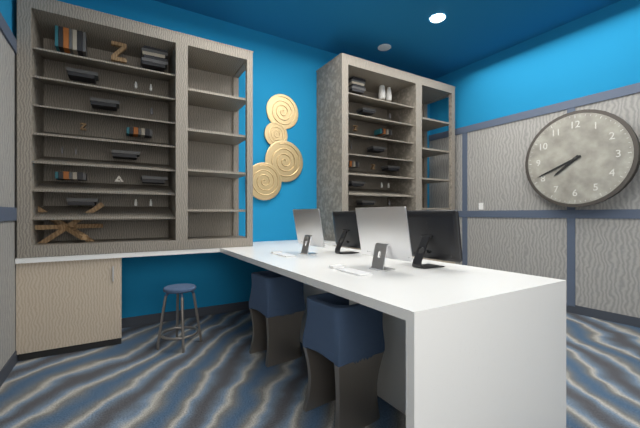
h=7 m=41
